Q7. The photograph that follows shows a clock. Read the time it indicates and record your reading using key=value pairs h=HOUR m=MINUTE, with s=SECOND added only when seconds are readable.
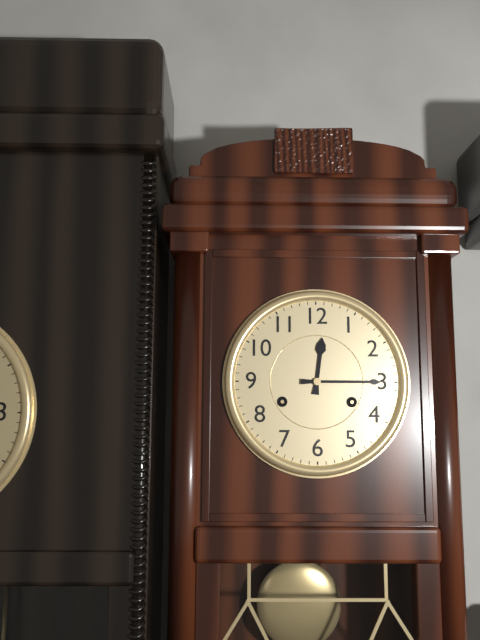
h=12 m=15
